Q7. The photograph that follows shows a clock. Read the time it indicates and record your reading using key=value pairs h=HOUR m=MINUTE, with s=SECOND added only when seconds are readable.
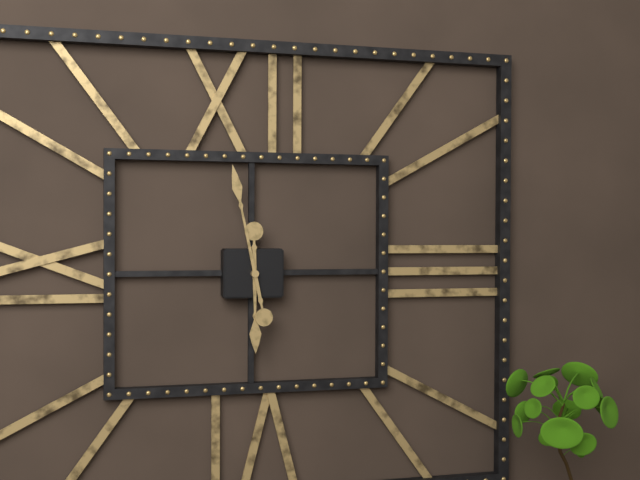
h=5 m=58
